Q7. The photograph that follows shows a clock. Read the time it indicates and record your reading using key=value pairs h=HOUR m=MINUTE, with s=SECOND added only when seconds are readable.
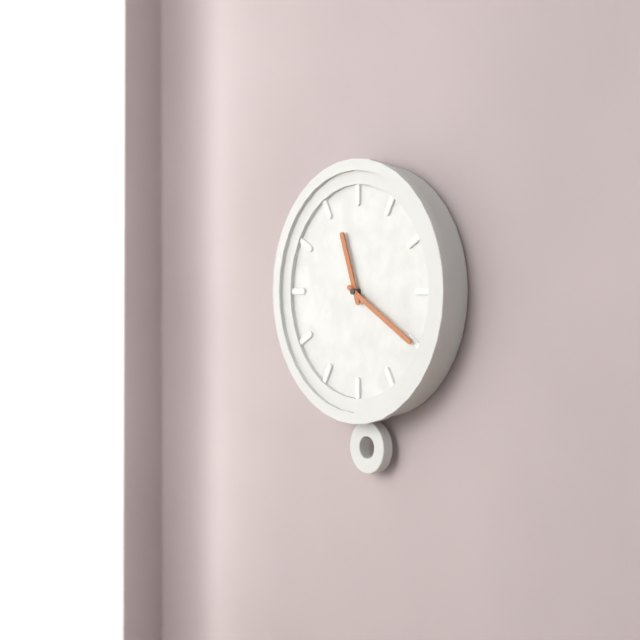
h=11 m=20
